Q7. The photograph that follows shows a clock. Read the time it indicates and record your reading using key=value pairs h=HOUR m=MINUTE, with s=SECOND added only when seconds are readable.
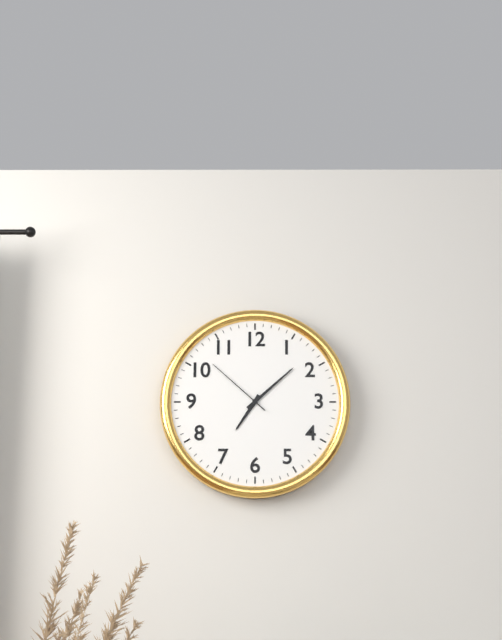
h=7 m=8 s=52
